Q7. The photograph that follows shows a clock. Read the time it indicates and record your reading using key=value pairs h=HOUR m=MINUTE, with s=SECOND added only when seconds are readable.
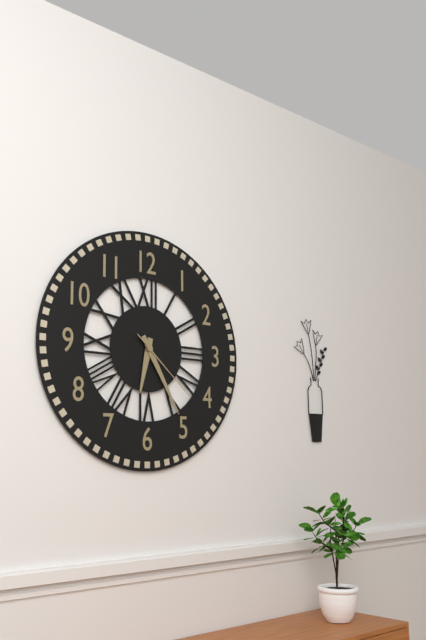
h=6 m=25 s=22
